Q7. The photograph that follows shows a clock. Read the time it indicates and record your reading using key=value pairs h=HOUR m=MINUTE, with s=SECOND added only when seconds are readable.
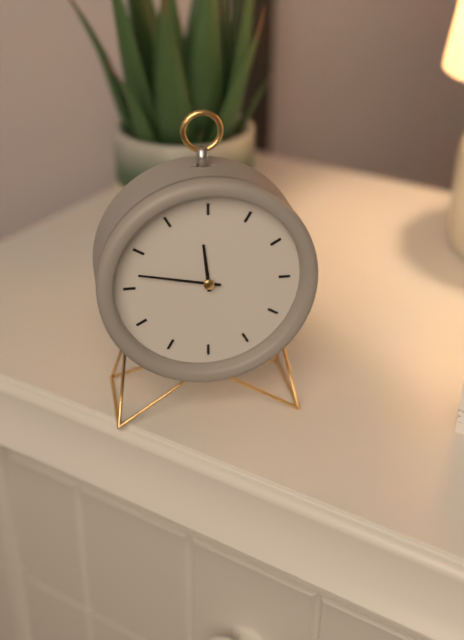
h=11 m=47
